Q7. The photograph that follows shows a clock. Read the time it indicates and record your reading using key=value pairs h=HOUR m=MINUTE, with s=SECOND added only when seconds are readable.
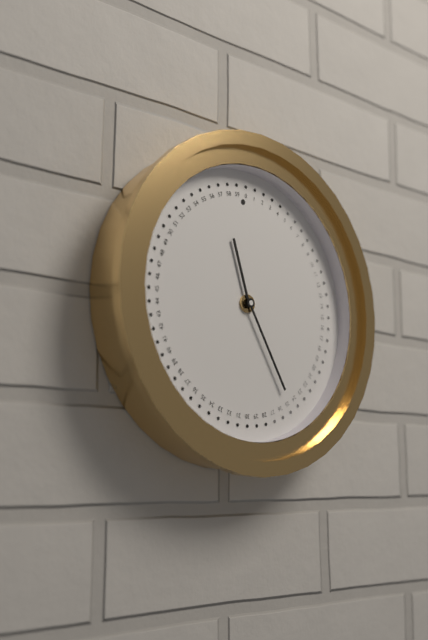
h=11 m=25
